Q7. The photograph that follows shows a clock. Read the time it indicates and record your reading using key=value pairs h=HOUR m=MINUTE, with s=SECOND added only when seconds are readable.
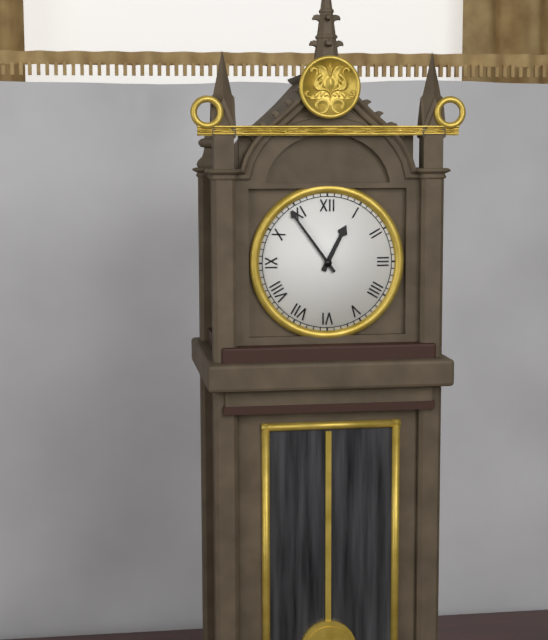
h=12 m=54
